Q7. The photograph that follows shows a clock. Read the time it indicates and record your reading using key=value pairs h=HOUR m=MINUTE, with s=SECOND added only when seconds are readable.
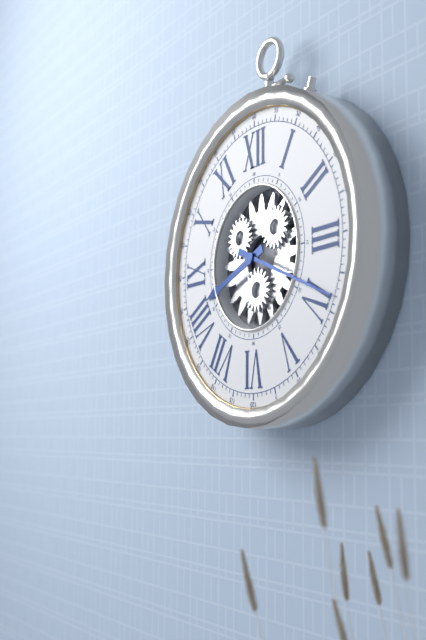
h=8 m=19
